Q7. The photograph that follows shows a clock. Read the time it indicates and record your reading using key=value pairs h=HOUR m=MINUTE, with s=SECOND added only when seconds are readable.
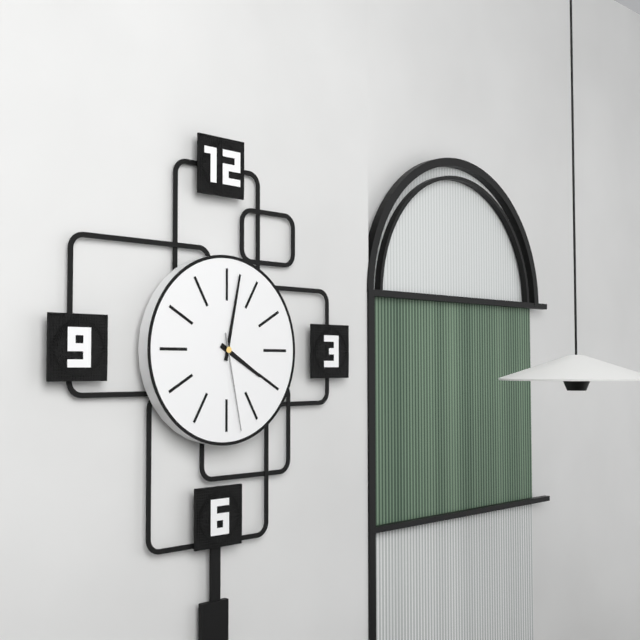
h=4 m=2 s=28
